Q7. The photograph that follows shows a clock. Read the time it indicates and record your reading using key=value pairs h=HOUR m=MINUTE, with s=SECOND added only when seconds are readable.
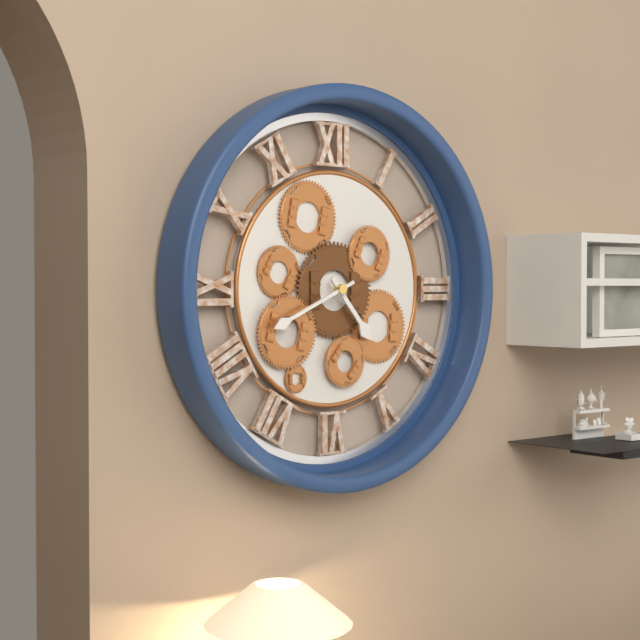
h=4 m=41
